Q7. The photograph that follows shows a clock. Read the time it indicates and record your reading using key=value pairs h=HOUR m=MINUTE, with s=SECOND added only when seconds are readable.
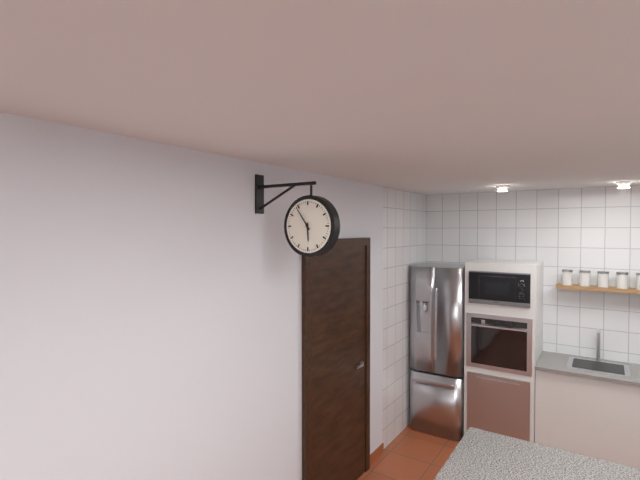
h=5 m=54
